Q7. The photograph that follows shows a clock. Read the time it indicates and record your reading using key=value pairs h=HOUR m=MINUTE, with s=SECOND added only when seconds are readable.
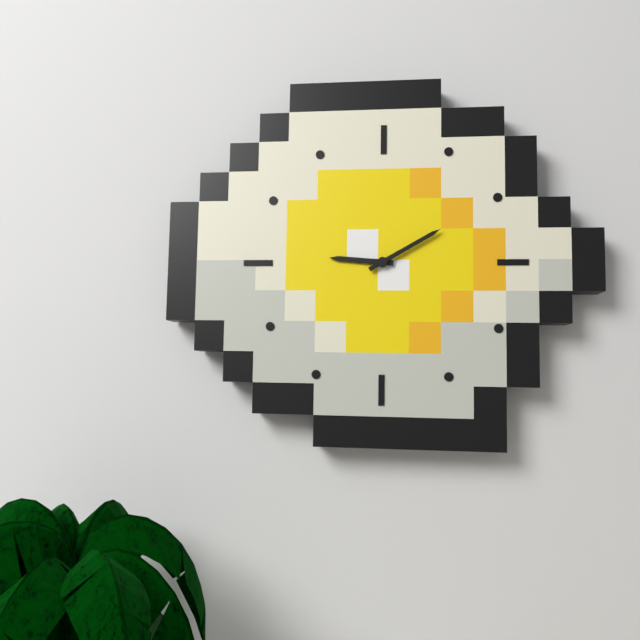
h=9 m=10
